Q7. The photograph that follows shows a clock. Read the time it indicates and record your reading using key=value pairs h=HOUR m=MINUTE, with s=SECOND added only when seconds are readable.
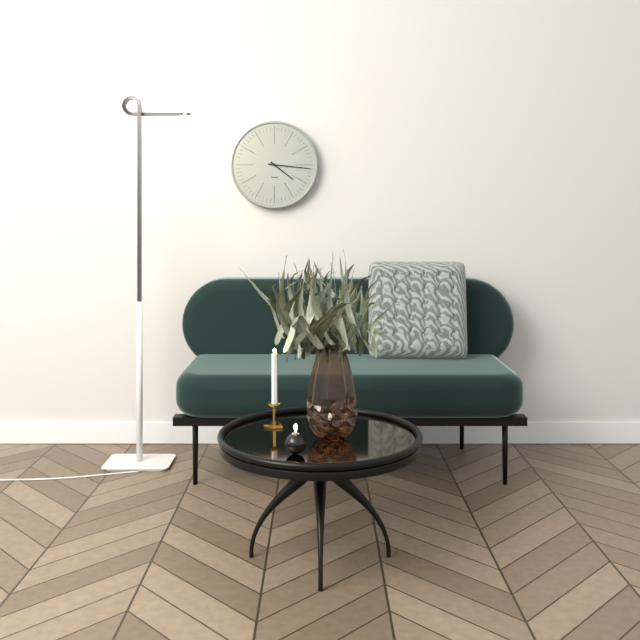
h=4 m=16
